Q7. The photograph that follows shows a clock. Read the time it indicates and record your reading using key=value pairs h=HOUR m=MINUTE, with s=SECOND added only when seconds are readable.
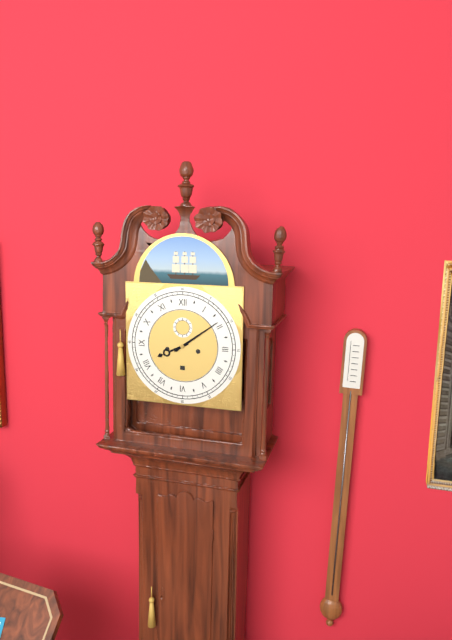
h=8 m=9
